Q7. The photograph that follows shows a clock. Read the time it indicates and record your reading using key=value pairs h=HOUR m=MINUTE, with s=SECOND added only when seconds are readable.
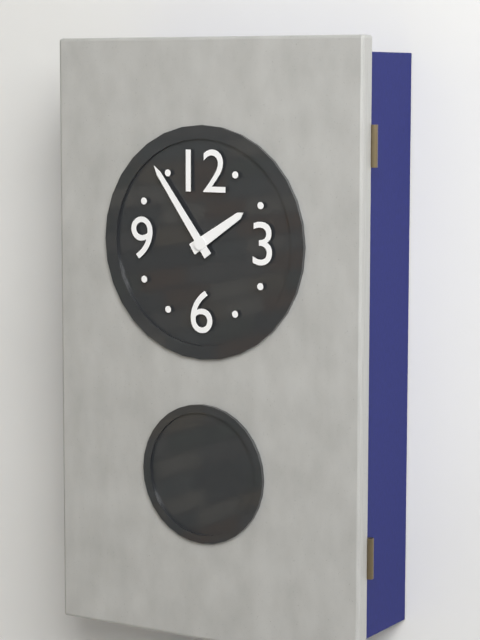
h=1 m=54
